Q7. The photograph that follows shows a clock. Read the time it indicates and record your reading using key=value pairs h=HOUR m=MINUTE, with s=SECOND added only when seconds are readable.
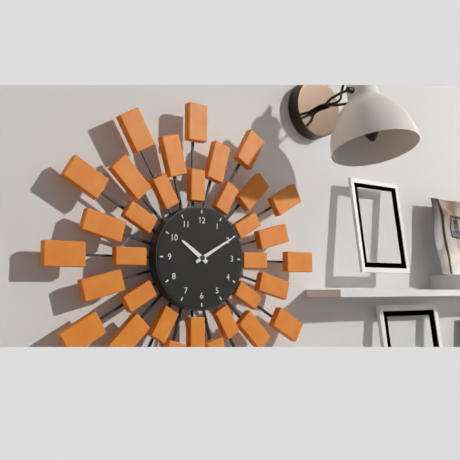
h=10 m=10
